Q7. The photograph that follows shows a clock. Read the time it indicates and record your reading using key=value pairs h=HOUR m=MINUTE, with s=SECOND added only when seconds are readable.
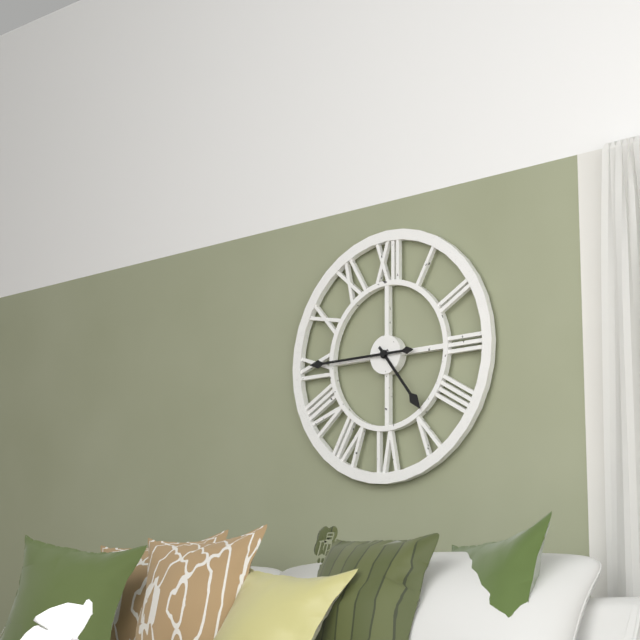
h=4 m=45
